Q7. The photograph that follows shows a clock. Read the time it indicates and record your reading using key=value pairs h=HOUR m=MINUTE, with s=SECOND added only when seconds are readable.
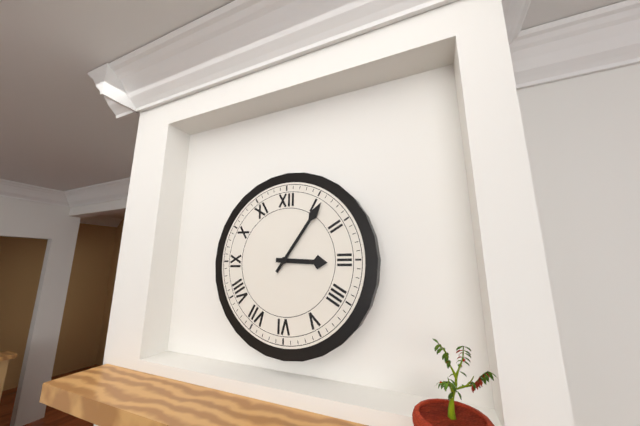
h=3 m=6
